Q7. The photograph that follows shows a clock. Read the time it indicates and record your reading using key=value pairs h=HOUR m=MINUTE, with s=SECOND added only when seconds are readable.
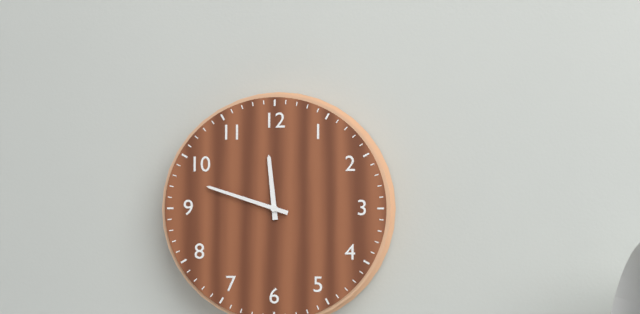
h=11 m=48
